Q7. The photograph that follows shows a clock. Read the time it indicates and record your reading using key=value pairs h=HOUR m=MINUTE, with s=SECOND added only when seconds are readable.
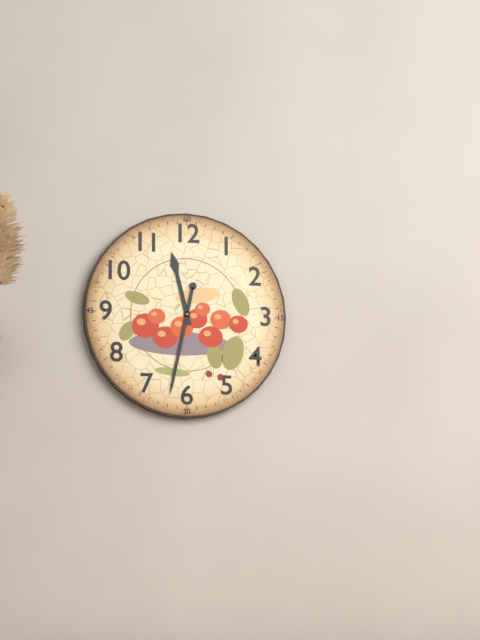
h=11 m=32
